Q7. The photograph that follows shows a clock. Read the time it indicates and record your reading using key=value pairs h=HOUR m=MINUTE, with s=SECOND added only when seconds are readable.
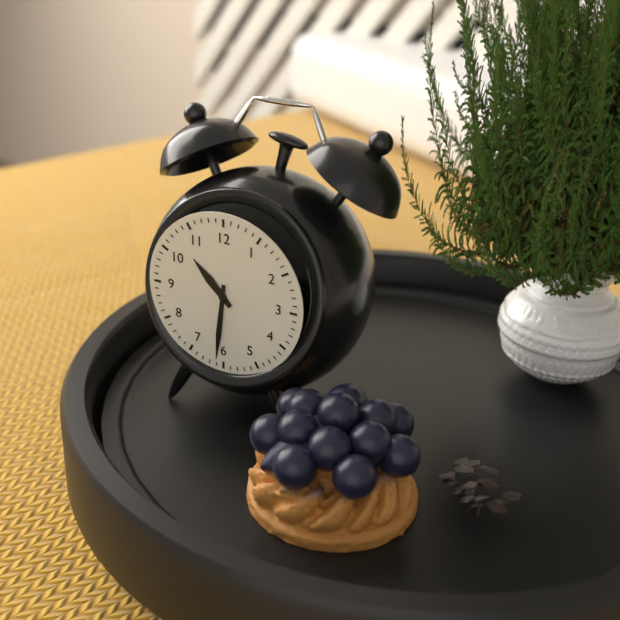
h=10 m=31
